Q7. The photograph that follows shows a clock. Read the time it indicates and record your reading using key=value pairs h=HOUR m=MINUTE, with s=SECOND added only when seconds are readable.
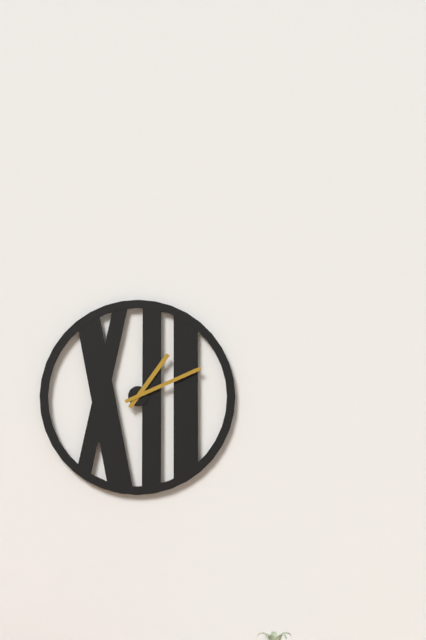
h=1 m=11
